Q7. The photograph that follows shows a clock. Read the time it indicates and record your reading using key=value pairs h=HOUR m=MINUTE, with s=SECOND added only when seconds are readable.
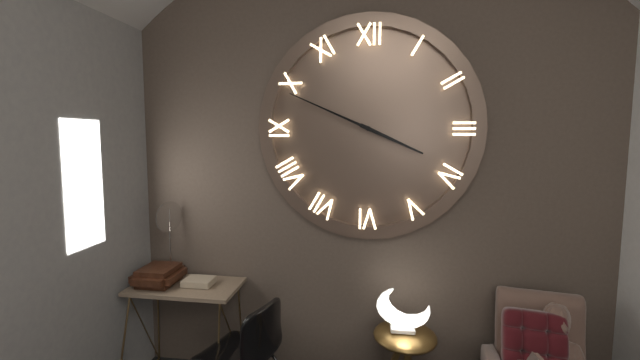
h=3 m=49
